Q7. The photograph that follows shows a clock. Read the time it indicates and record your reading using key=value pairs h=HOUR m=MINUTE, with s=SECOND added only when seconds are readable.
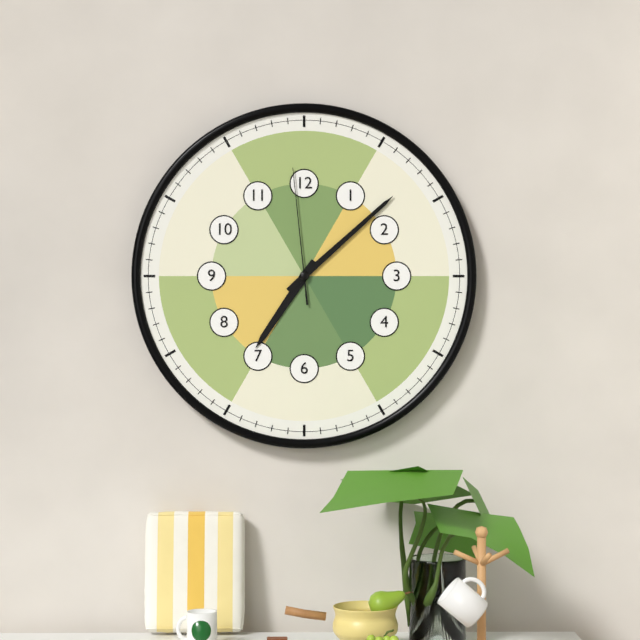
h=7 m=8 s=59
